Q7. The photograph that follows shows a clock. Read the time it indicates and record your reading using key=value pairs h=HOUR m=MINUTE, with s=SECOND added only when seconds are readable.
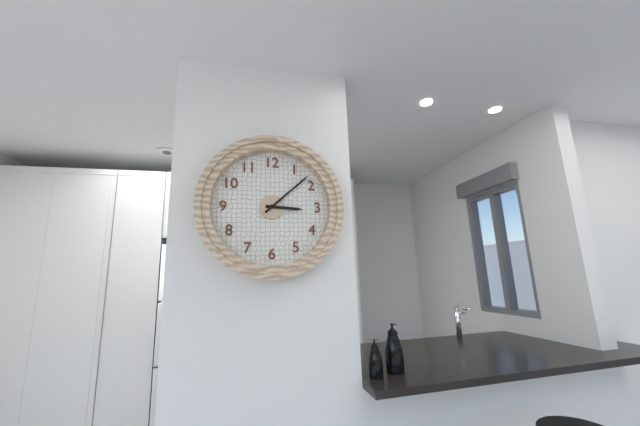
h=3 m=8
